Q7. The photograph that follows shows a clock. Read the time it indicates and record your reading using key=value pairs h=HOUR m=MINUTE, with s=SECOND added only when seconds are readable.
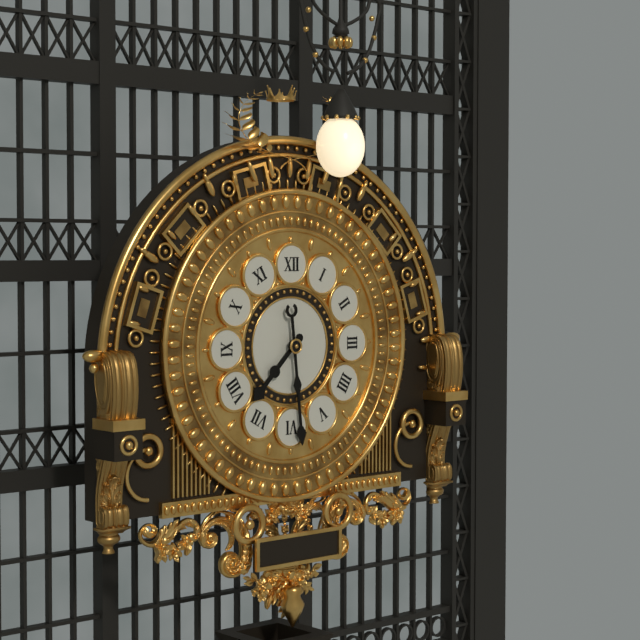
h=7 m=29
